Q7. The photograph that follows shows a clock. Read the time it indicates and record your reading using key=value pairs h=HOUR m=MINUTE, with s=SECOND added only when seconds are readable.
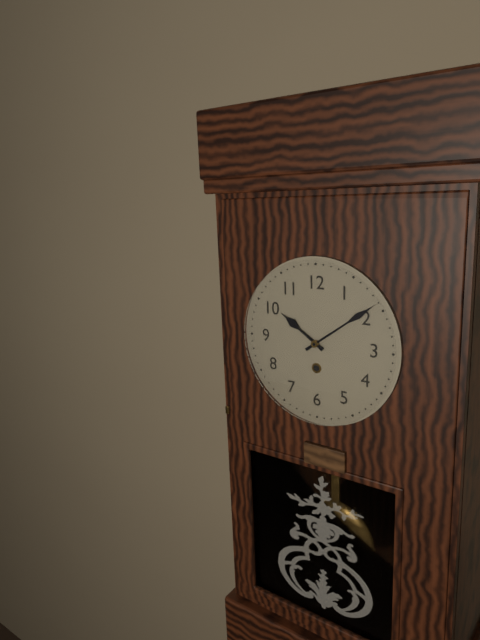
h=10 m=9
